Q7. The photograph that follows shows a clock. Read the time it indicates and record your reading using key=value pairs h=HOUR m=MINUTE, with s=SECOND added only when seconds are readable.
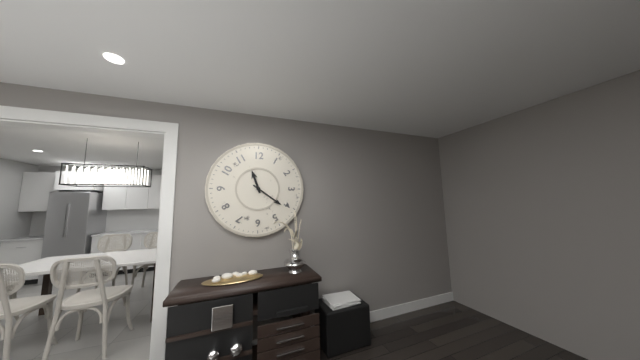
h=11 m=21
